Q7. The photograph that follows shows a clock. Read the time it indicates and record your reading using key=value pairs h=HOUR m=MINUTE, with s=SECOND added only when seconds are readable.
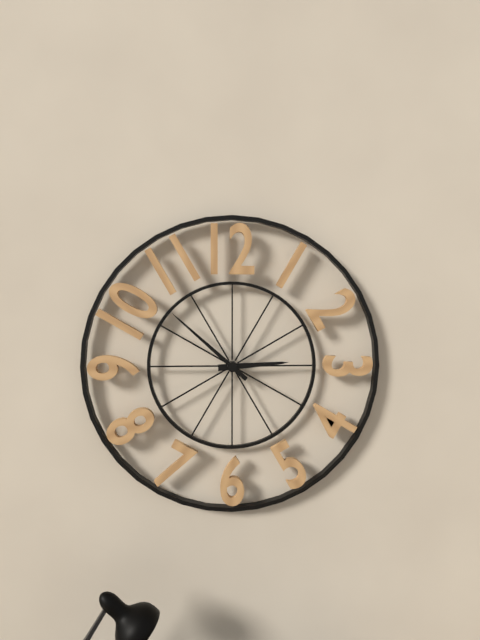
h=2 m=52
